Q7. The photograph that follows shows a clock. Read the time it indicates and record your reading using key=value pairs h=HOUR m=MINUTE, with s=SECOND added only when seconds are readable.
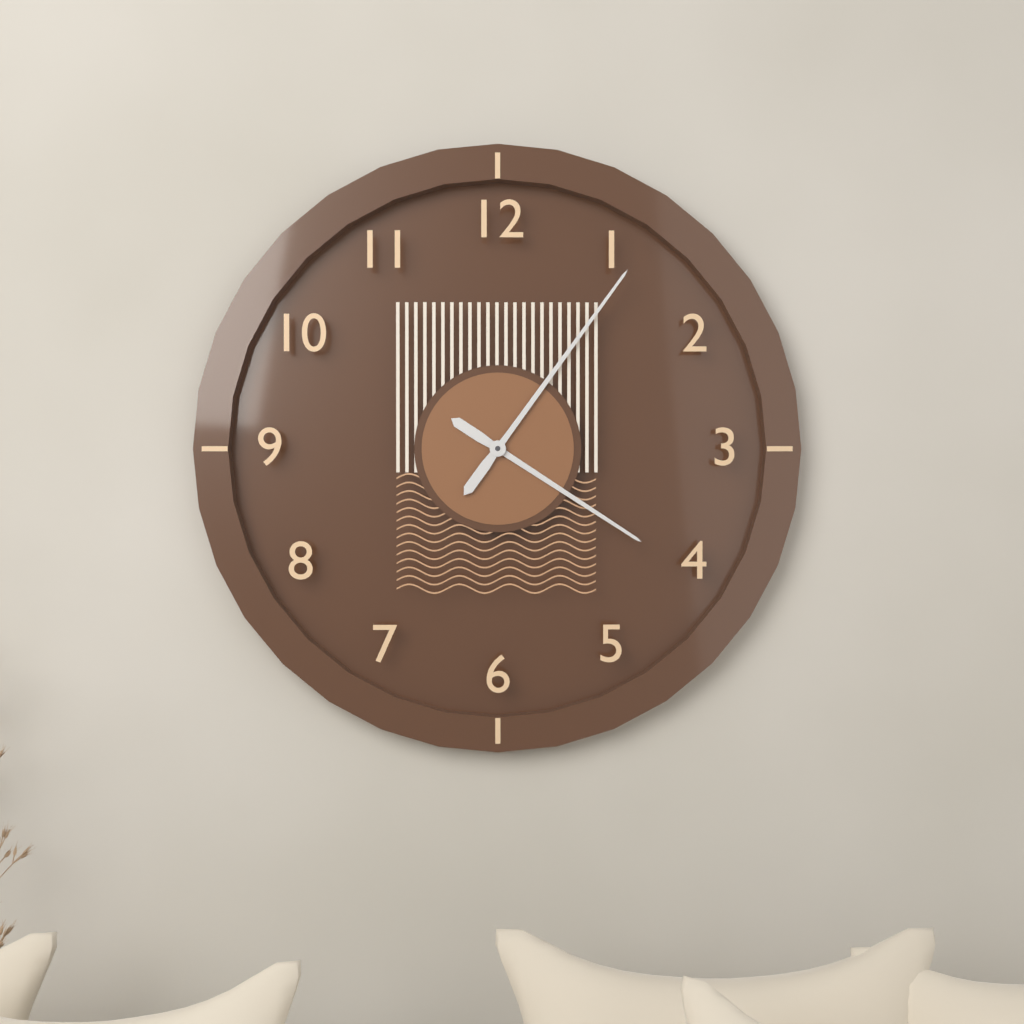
h=4 m=6
